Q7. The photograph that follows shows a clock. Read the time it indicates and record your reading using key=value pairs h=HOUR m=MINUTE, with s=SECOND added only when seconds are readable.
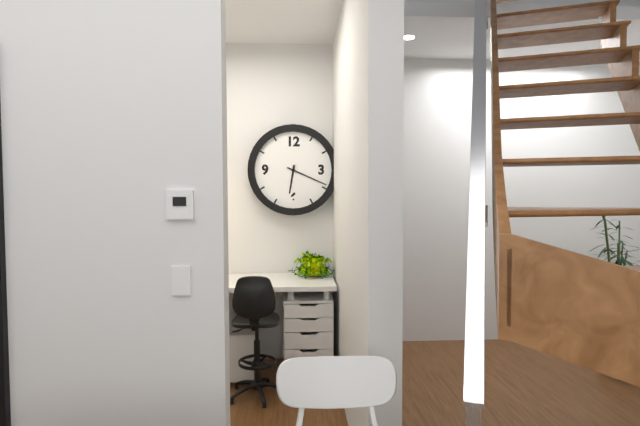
h=6 m=19
